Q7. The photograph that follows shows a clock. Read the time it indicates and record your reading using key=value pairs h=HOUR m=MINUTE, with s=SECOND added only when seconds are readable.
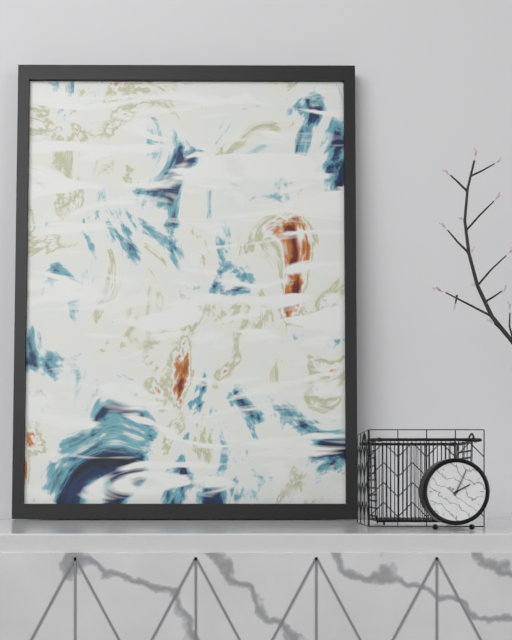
h=2 m=4
